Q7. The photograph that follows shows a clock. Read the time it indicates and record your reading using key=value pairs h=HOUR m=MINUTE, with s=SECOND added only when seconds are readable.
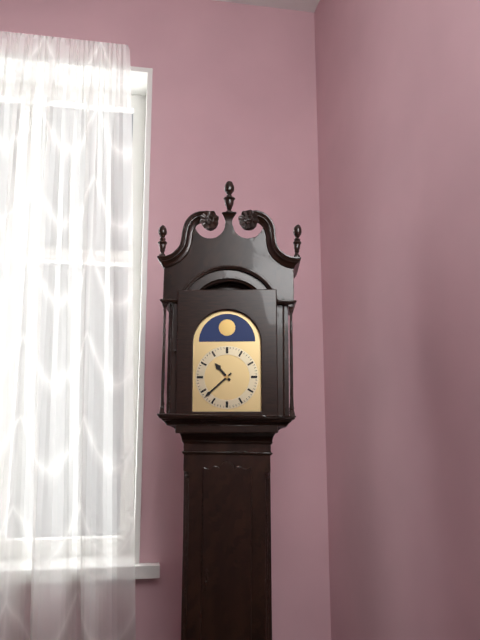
h=10 m=38
